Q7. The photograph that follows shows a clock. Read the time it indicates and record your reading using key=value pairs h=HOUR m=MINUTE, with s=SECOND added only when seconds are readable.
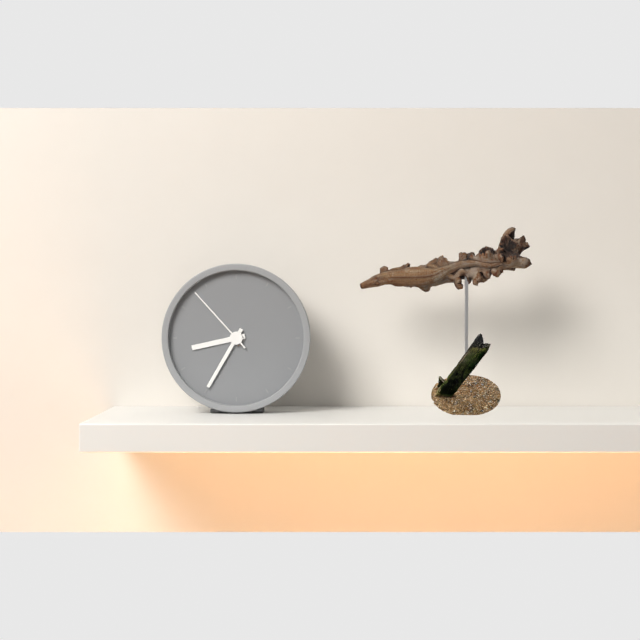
h=8 m=35 s=53
